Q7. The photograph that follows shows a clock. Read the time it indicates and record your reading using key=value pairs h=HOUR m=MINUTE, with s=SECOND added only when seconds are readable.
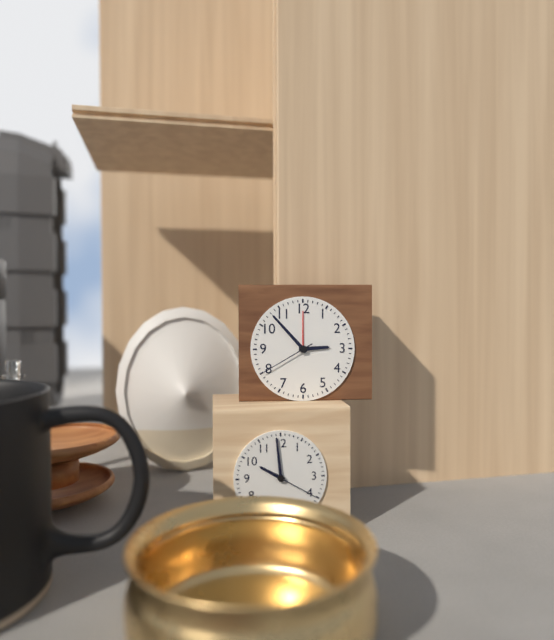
h=2 m=53 s=40
